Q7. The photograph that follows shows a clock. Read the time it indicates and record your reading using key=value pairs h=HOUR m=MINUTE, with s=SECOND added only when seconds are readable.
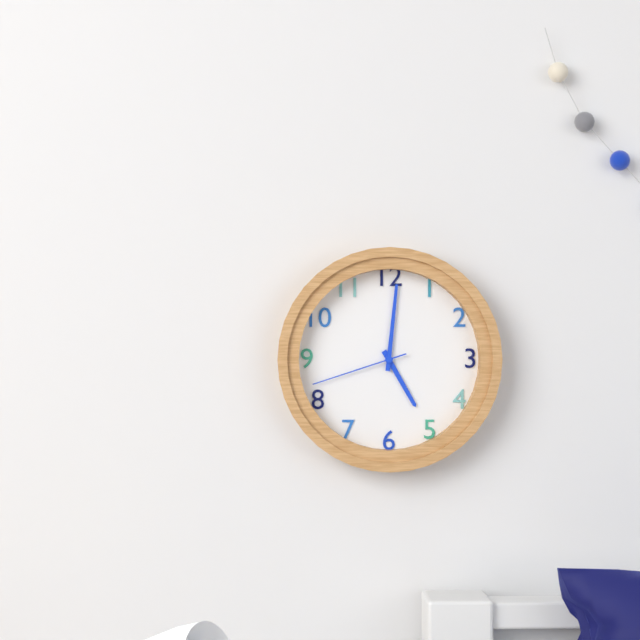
h=5 m=1 s=42
